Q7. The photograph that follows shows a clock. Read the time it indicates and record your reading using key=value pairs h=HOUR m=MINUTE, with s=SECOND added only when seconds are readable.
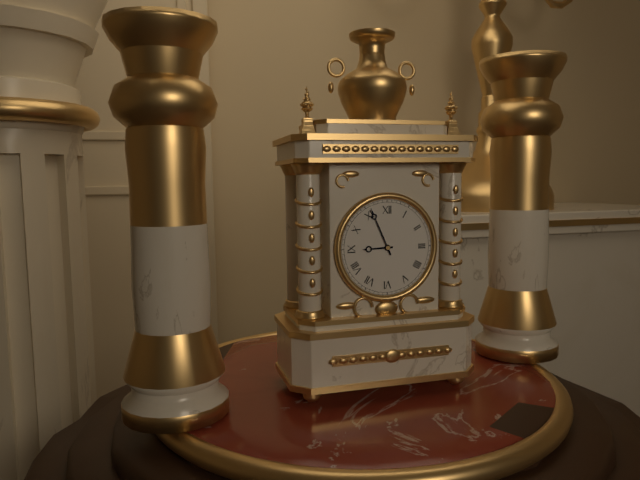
h=8 m=56
